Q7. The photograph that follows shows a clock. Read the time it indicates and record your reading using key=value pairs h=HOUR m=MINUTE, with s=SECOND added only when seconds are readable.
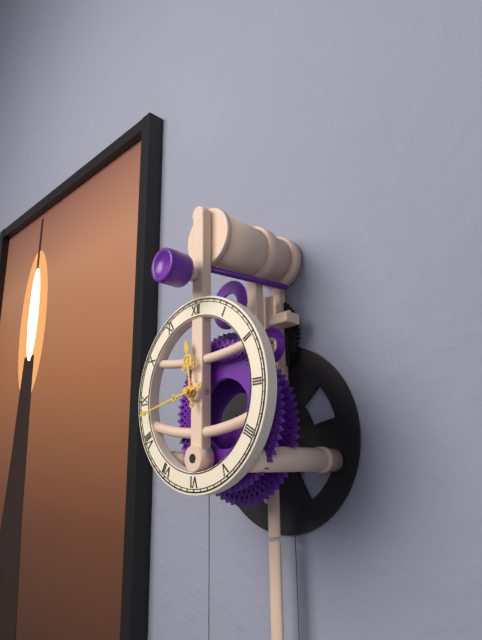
h=11 m=43
